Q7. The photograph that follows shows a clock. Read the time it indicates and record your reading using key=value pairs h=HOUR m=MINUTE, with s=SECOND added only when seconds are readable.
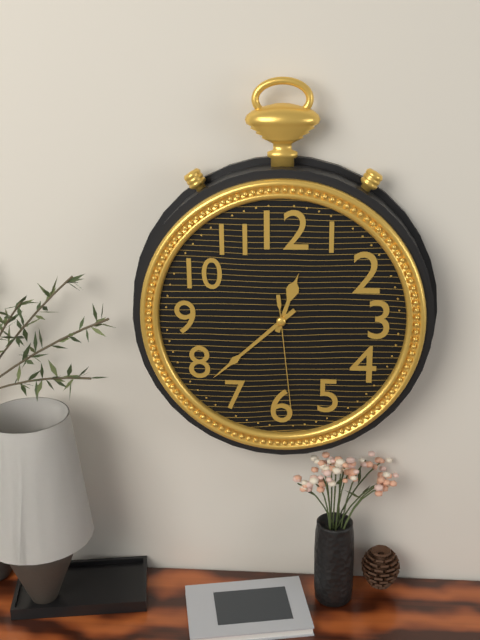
h=12 m=38 s=29
